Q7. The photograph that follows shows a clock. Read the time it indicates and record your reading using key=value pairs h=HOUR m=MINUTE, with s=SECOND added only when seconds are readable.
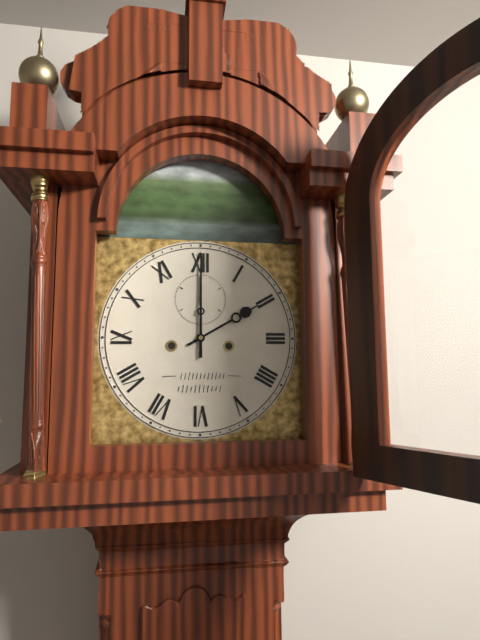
h=2 m=0
